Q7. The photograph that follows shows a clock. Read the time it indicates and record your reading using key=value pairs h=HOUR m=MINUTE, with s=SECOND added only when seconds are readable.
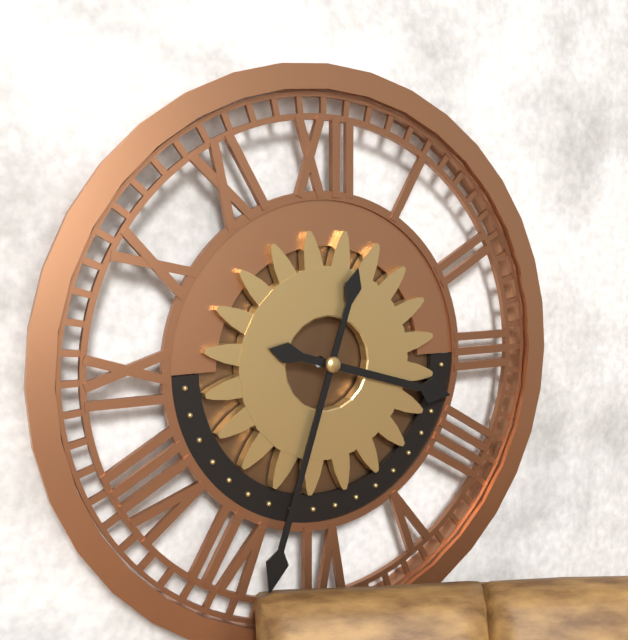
h=3 m=33
